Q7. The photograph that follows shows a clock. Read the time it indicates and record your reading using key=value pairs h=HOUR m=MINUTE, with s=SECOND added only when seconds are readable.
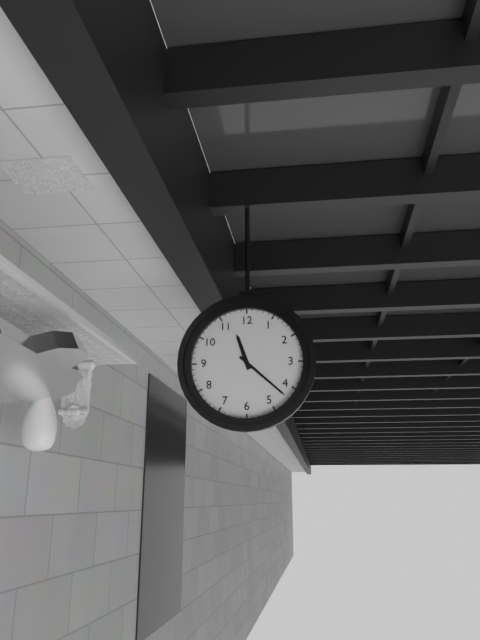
h=11 m=22
